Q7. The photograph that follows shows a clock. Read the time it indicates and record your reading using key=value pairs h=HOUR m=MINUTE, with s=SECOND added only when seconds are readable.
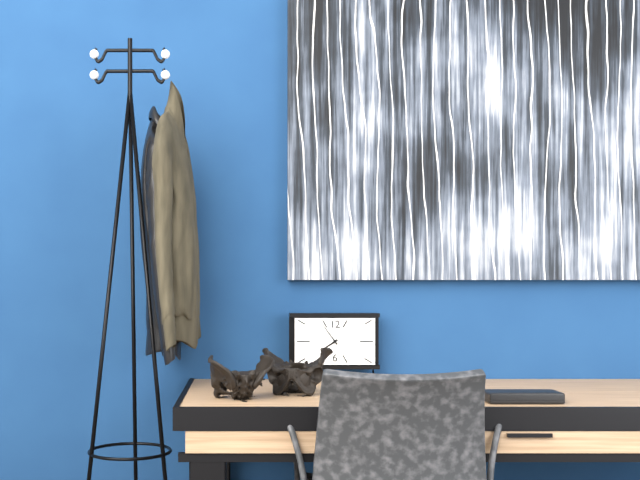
h=7 m=54
